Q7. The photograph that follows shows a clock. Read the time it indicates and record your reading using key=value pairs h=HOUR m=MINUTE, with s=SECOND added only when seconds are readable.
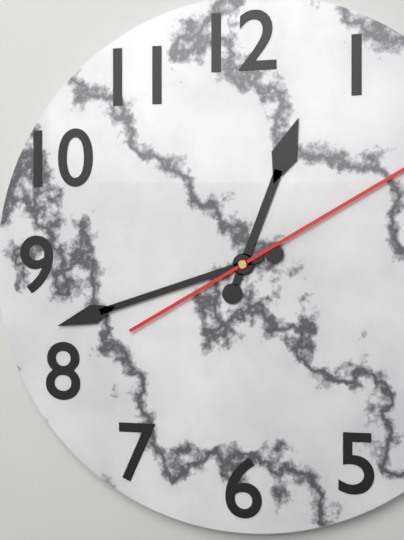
h=12 m=42
